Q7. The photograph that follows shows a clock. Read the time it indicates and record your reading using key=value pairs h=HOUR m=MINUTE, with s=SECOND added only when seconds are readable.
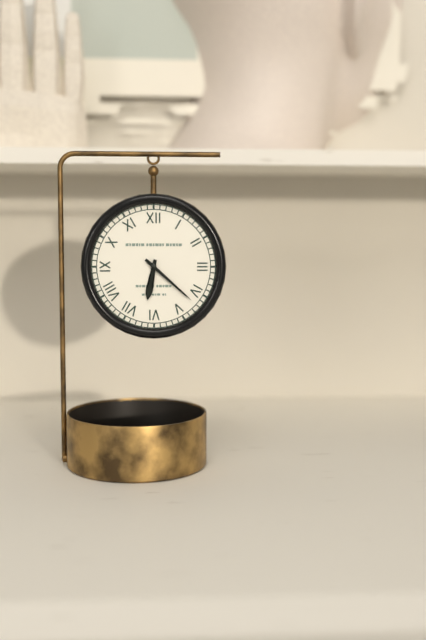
h=6 m=22
